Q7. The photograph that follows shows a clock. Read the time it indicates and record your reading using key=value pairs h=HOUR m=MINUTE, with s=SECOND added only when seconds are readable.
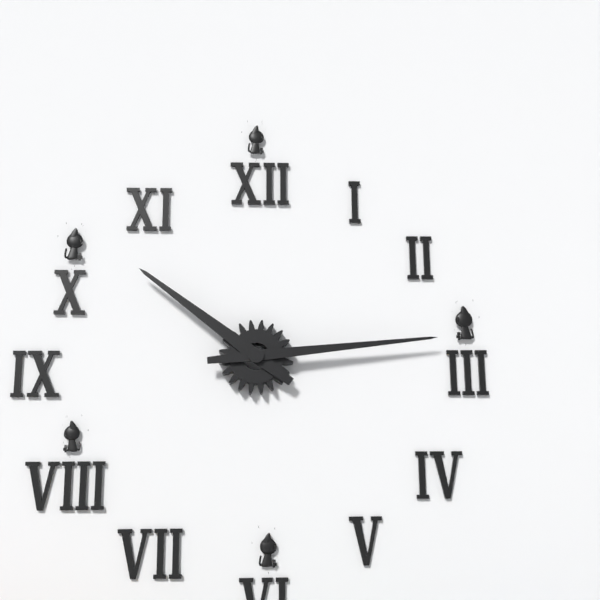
h=10 m=14
